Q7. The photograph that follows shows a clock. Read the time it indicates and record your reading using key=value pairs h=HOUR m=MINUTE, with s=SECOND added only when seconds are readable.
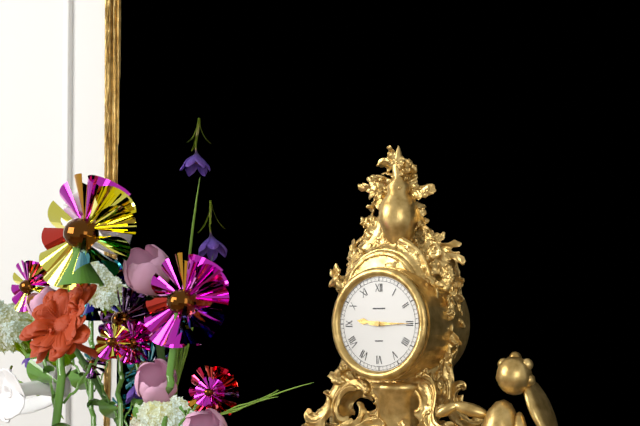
h=9 m=15
